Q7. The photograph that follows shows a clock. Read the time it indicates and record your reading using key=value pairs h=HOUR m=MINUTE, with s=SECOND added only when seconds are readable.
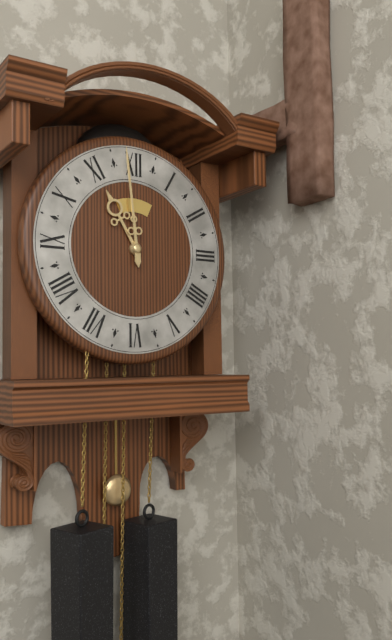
h=10 m=59
